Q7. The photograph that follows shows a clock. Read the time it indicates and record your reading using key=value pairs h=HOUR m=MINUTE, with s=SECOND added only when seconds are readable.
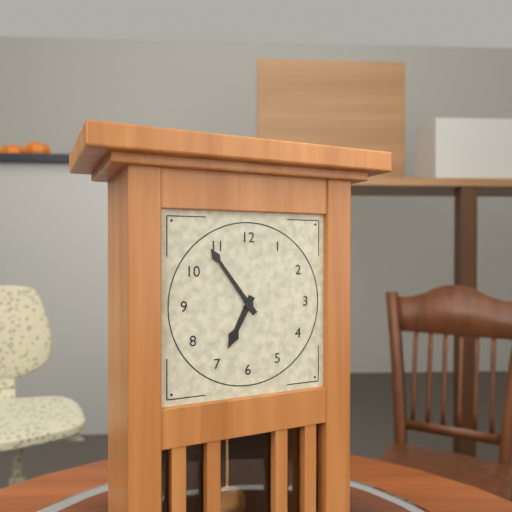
h=6 m=54
